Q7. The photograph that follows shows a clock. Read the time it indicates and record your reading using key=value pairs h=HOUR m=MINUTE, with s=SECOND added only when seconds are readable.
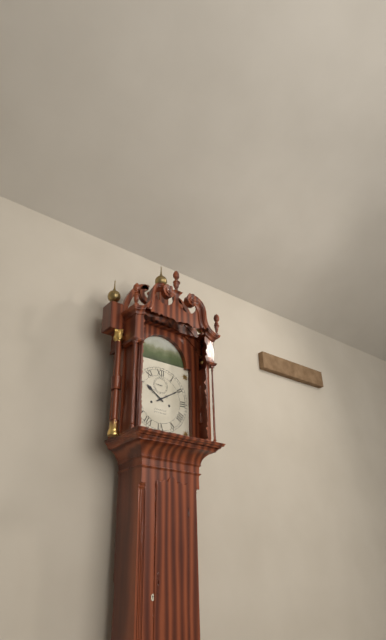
h=10 m=10
